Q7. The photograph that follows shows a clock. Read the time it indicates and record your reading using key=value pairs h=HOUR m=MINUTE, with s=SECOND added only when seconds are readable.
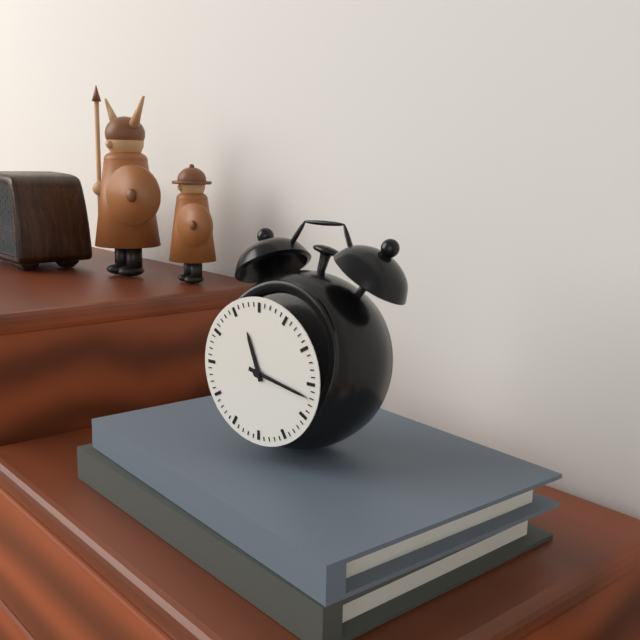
h=11 m=17
